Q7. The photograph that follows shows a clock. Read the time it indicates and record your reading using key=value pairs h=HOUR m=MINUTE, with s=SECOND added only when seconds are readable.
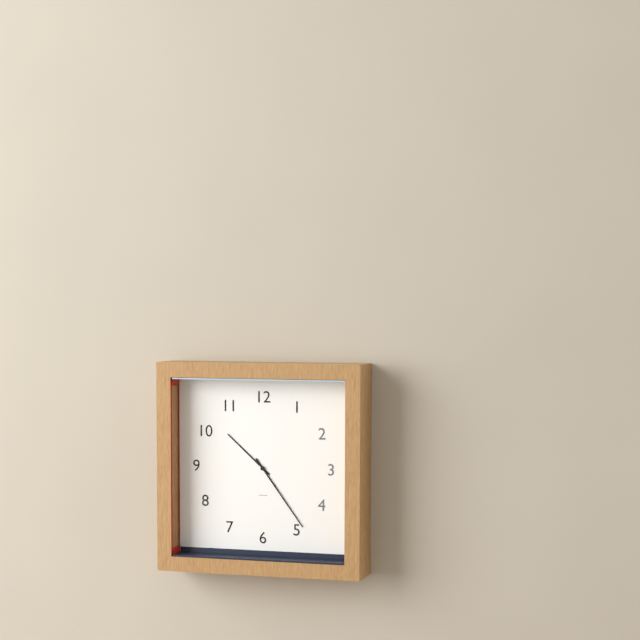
h=10 m=24
